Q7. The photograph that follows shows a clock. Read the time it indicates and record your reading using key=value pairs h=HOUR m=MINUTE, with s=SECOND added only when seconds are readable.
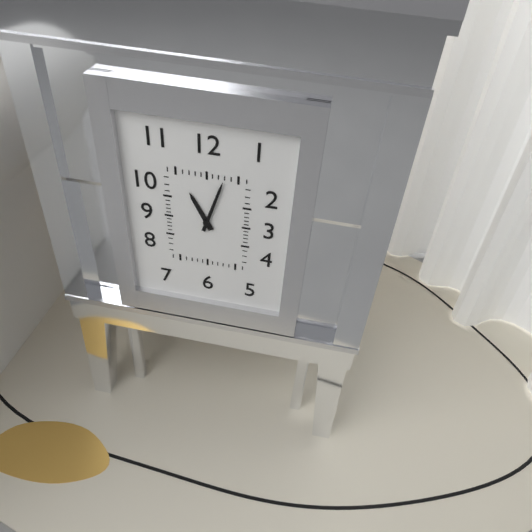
h=11 m=3
